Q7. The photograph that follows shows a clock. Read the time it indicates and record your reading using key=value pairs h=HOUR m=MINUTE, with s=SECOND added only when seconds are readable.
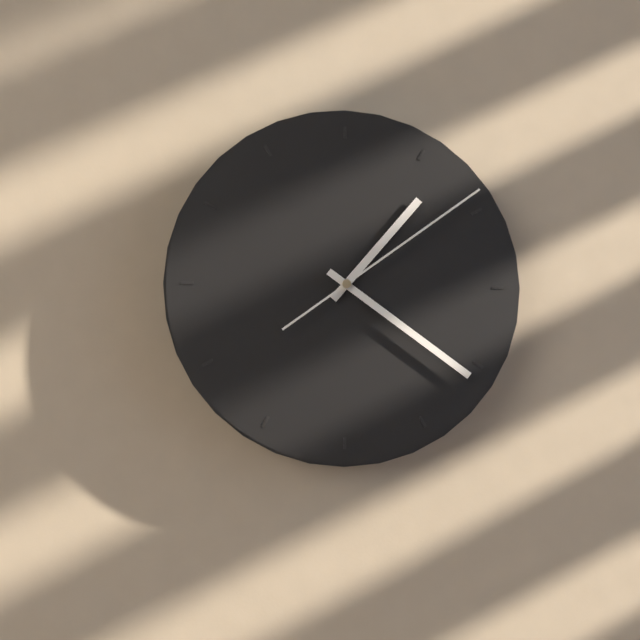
h=1 m=21 s=9
